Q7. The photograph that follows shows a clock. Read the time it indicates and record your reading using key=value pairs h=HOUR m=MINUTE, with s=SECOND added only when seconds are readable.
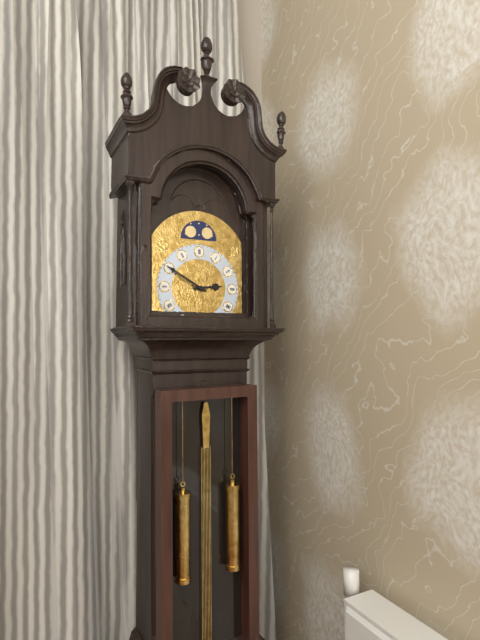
h=2 m=50
